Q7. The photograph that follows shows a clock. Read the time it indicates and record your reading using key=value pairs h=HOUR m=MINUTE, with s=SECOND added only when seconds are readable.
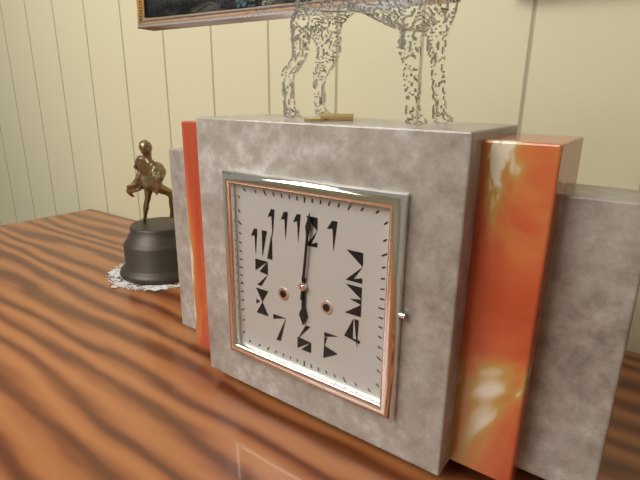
h=6 m=1
